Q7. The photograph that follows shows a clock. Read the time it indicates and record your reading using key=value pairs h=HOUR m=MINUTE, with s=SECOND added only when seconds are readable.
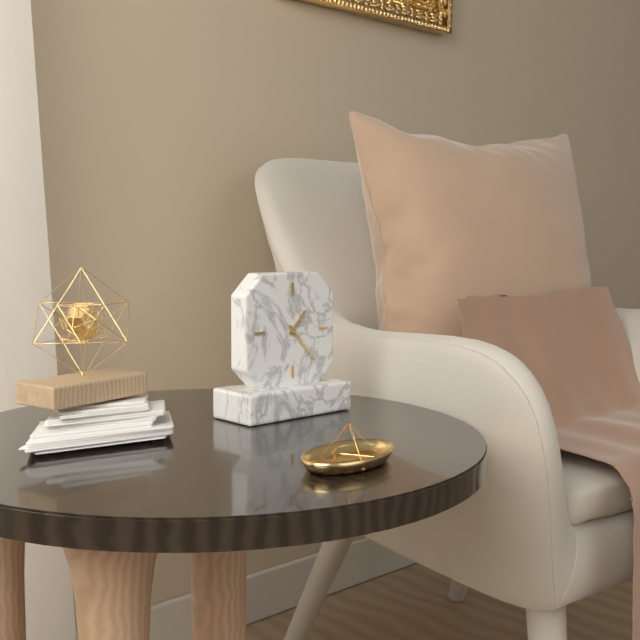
h=1 m=23
